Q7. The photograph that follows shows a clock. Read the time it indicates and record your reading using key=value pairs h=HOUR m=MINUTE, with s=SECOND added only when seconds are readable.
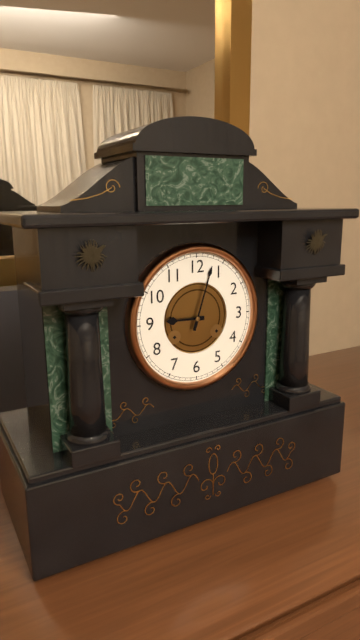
h=9 m=3
